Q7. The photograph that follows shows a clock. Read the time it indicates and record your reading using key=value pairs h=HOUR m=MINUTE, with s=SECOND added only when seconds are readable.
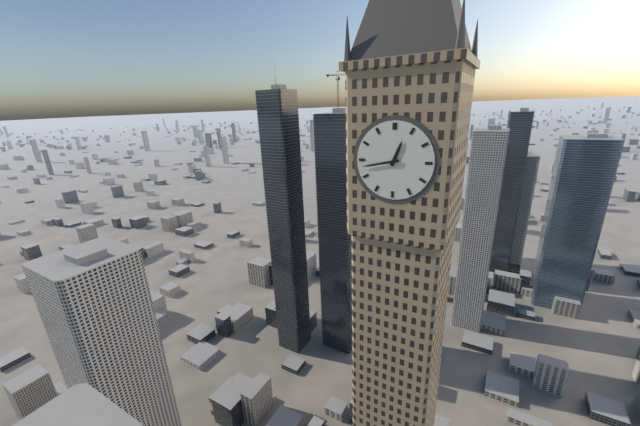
h=12 m=43
